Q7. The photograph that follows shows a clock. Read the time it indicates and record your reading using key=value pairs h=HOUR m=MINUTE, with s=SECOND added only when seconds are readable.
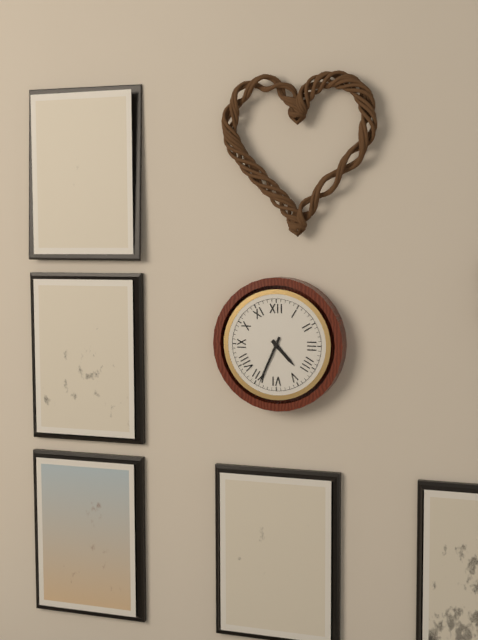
h=4 m=34
